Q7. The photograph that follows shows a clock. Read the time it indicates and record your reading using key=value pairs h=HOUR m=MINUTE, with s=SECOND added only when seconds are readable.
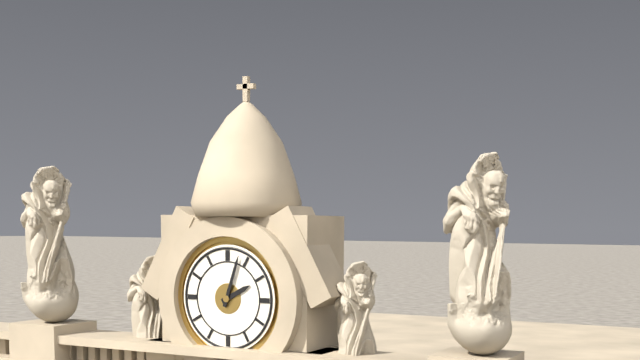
h=2 m=3
